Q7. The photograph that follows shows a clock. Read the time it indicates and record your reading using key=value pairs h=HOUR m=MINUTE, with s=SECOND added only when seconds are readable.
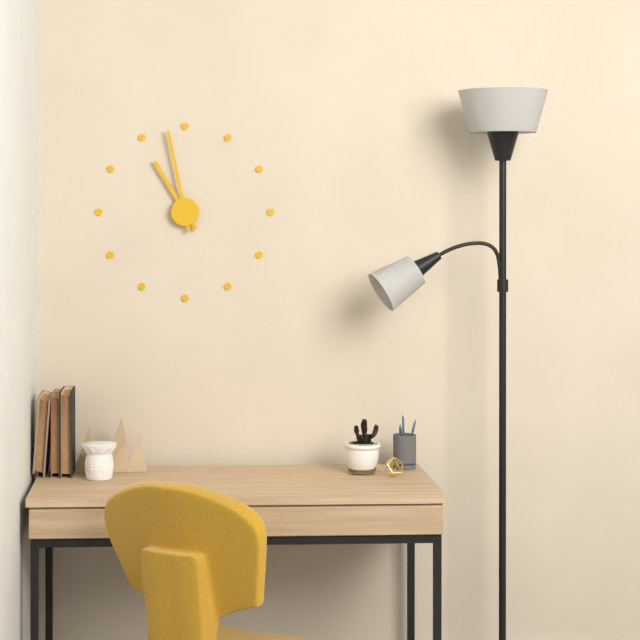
h=10 m=58
